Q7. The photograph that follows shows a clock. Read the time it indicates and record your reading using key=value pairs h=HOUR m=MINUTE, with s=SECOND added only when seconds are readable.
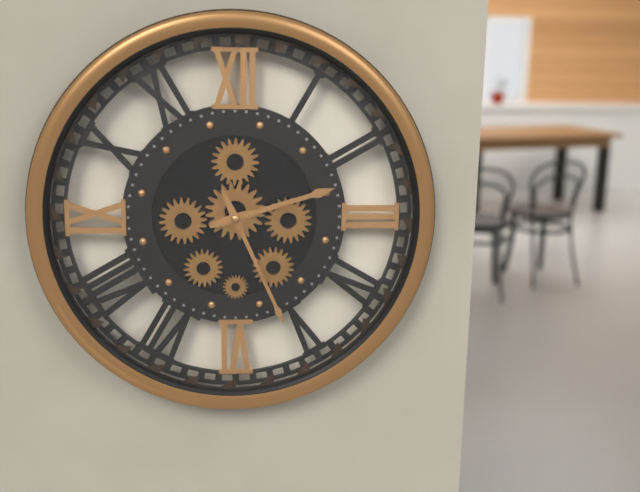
h=2 m=26
